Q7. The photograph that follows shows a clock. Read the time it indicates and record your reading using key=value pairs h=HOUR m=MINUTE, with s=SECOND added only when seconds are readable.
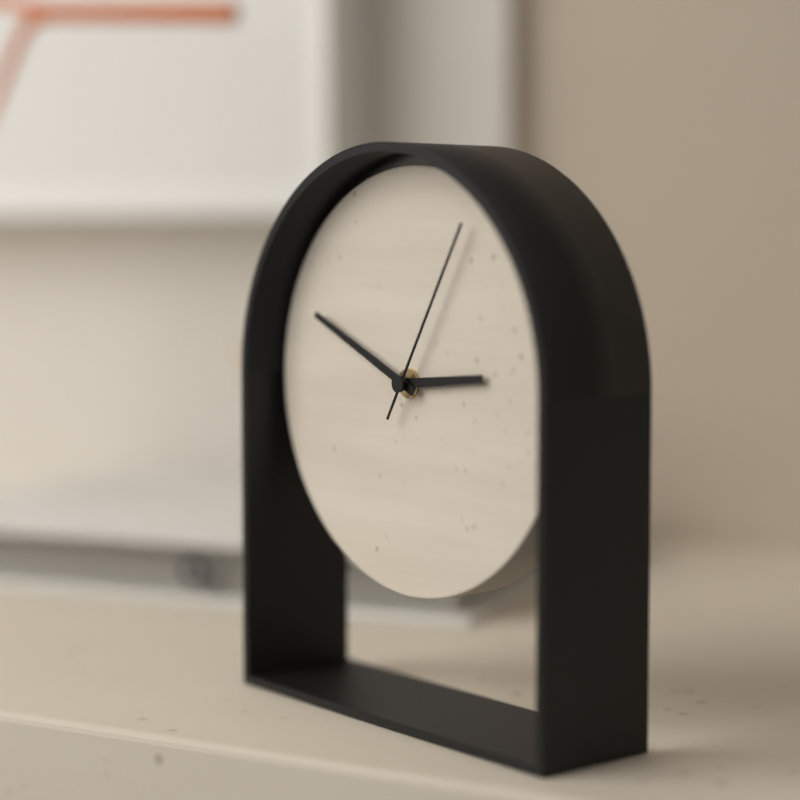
h=2 m=49 s=5
